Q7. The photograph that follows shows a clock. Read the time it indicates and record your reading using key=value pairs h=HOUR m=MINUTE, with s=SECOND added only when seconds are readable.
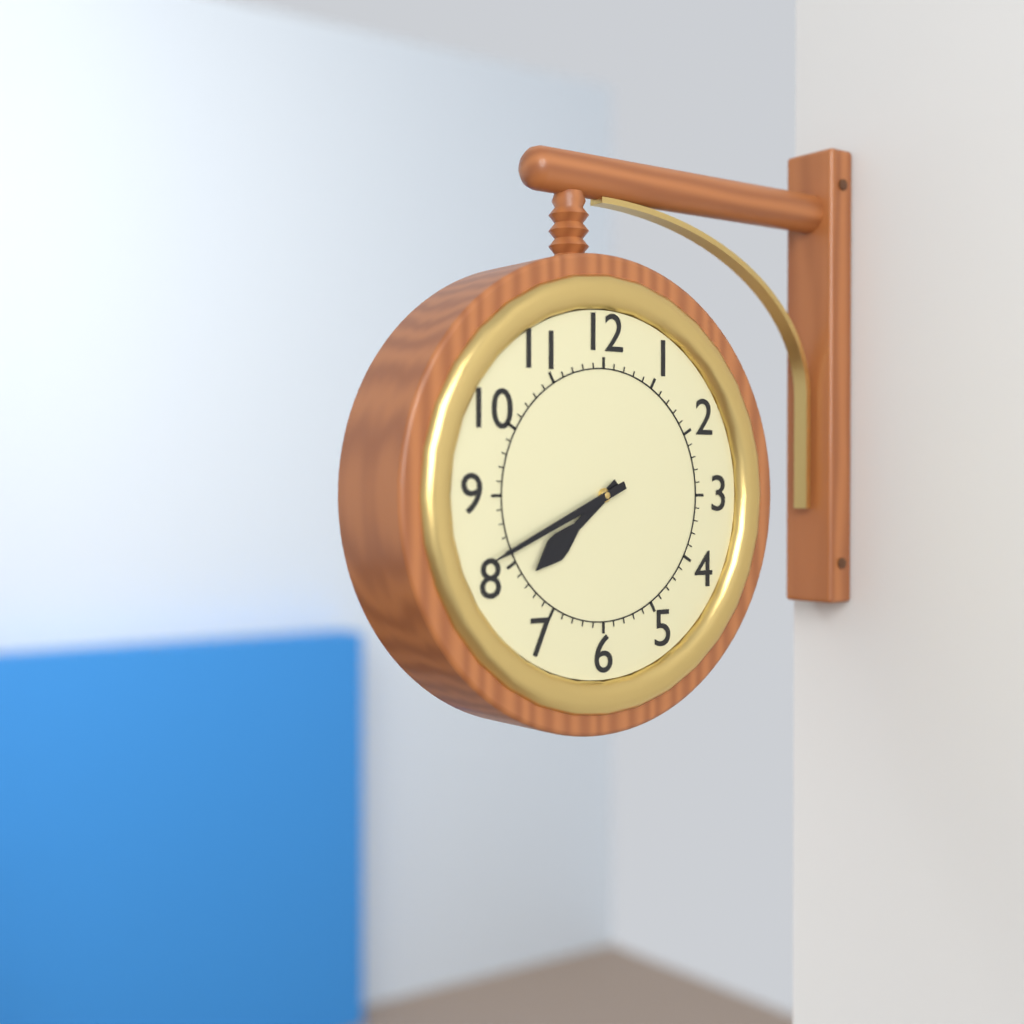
h=7 m=41
